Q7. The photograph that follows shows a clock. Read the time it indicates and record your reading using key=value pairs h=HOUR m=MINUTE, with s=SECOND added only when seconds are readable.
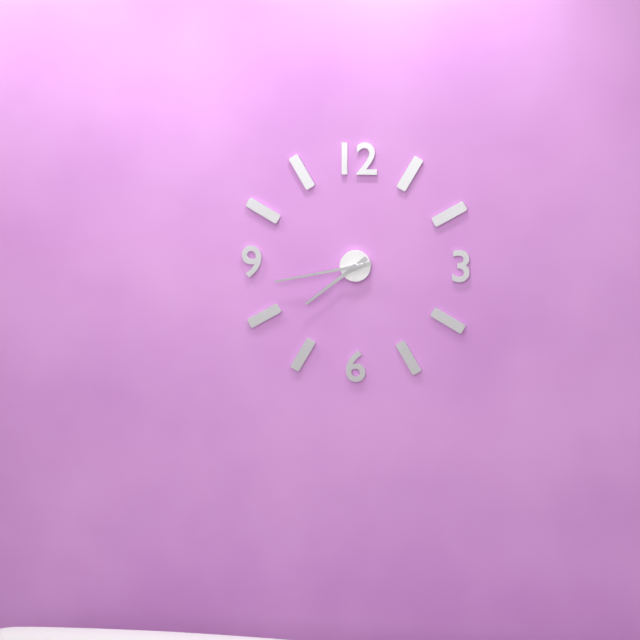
h=7 m=43
